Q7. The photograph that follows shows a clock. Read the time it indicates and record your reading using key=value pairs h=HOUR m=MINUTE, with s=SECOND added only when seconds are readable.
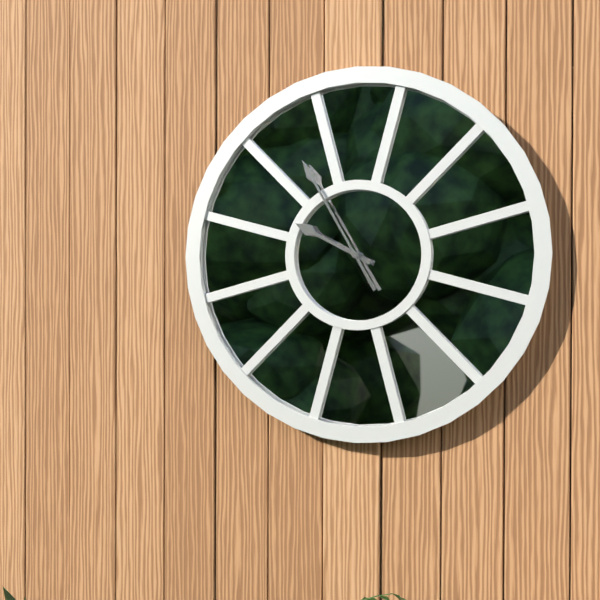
h=9 m=55
